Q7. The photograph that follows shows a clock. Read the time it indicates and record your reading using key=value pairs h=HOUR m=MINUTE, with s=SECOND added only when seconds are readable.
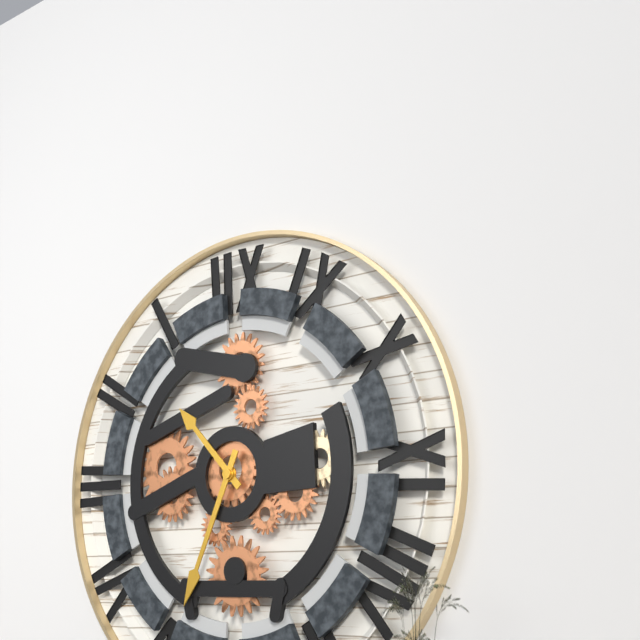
h=10 m=34
